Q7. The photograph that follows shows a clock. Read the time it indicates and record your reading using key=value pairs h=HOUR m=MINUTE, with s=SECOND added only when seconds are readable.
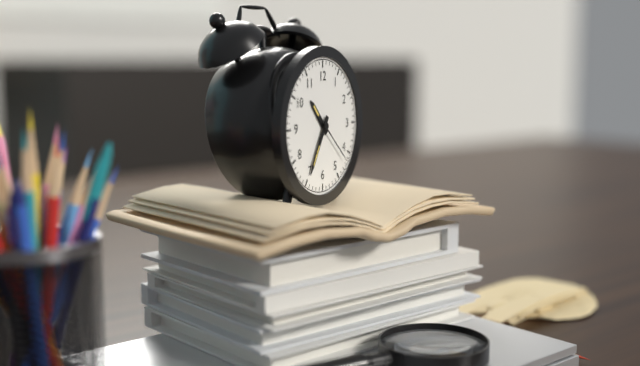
h=10 m=35 s=22
